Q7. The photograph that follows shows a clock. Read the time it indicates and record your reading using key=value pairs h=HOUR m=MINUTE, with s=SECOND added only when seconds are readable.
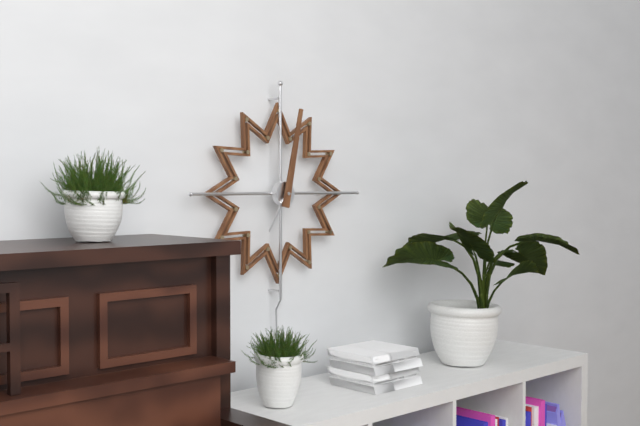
h=7 m=2
